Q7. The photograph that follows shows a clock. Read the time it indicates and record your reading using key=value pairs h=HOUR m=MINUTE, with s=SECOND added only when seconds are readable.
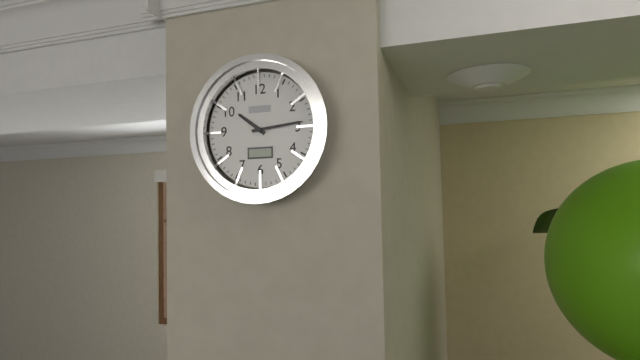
h=10 m=14
